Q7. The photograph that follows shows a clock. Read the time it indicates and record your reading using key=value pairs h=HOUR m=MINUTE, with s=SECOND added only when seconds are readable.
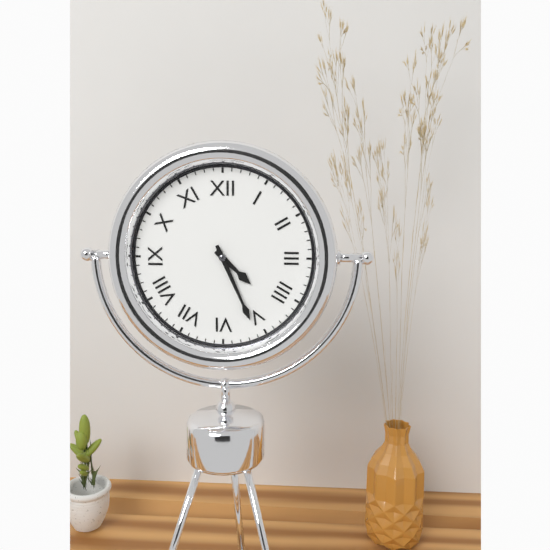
h=4 m=26
